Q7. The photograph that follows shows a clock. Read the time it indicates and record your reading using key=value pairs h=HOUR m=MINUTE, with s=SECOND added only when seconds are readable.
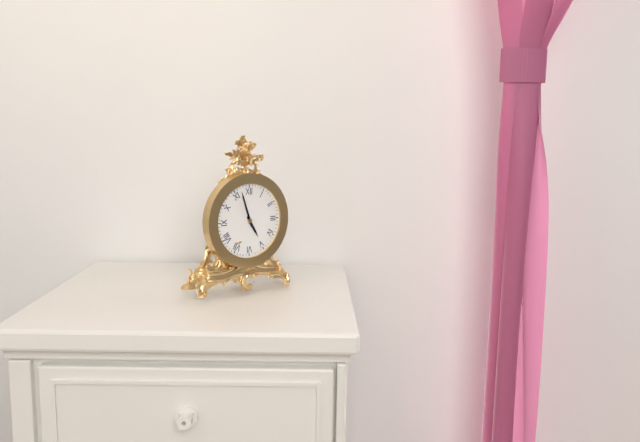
h=4 m=57
